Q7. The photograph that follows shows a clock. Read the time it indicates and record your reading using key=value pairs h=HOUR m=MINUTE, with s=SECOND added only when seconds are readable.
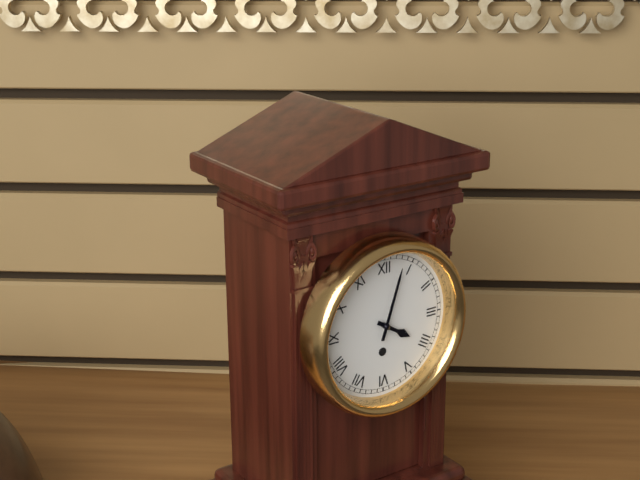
h=4 m=3
